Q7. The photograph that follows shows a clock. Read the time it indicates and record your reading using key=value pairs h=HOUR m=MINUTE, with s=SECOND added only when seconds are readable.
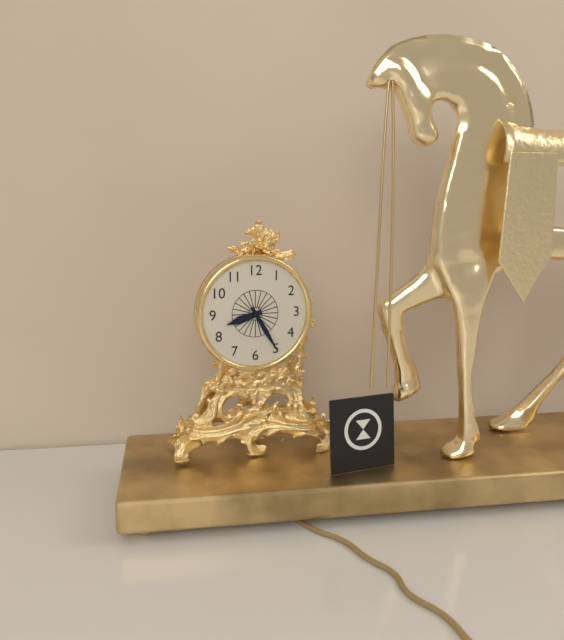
h=8 m=25
